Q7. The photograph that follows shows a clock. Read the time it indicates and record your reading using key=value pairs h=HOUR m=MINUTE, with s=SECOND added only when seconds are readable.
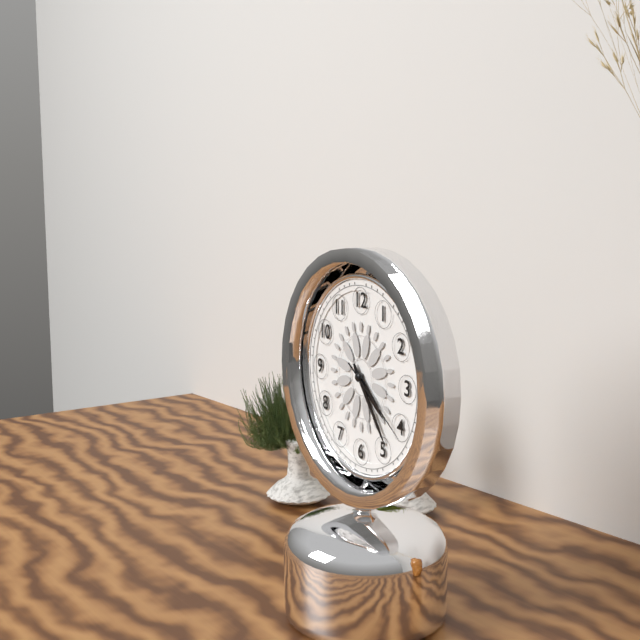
h=4 m=24 s=21
